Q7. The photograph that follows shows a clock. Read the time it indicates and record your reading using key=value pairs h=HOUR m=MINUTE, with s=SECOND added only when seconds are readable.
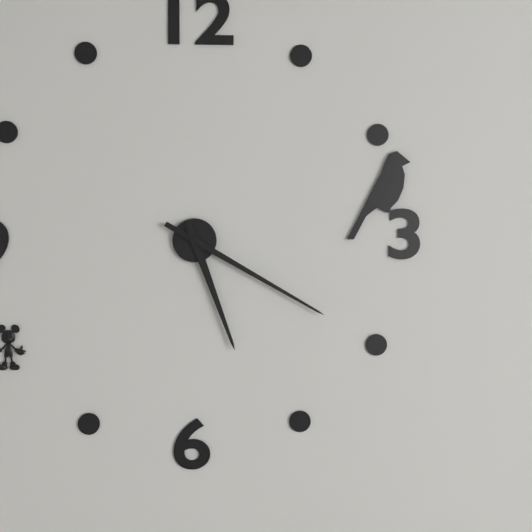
h=5 m=20
